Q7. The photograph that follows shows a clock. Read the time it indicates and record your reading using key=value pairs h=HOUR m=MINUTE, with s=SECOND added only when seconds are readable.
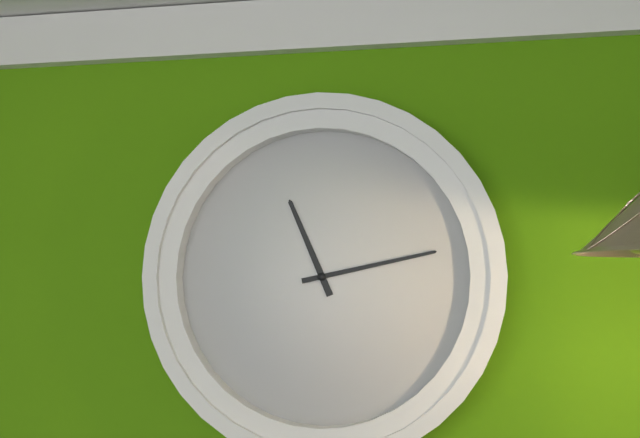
h=11 m=13
